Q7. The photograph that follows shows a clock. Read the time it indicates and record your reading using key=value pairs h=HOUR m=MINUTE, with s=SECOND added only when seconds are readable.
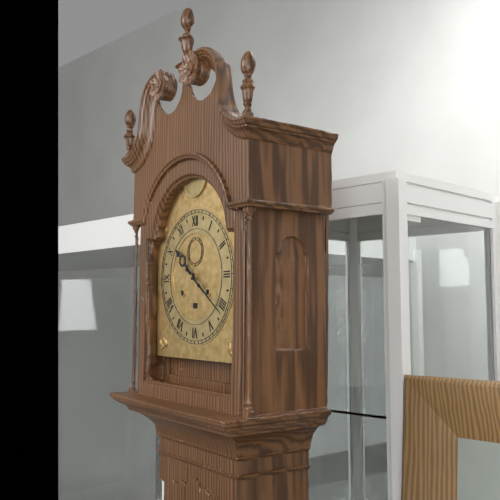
h=10 m=21
